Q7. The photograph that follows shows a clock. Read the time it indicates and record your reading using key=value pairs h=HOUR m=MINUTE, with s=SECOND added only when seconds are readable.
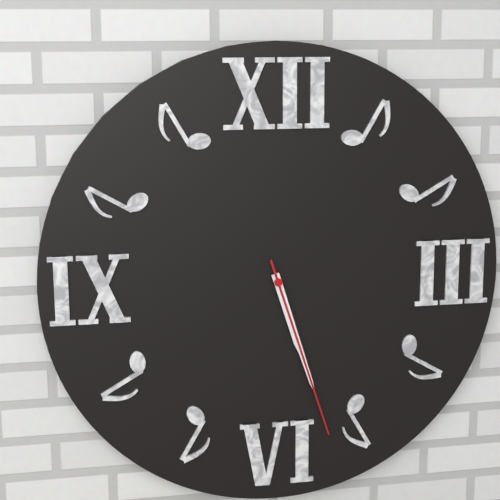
h=5 m=27 s=27
